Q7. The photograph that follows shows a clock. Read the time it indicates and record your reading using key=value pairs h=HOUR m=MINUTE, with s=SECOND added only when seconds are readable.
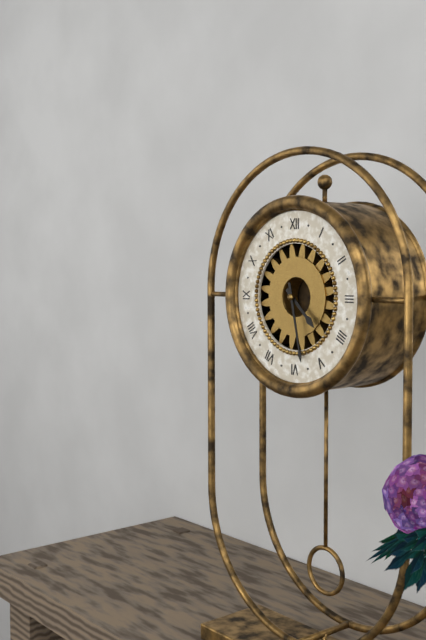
h=4 m=28
